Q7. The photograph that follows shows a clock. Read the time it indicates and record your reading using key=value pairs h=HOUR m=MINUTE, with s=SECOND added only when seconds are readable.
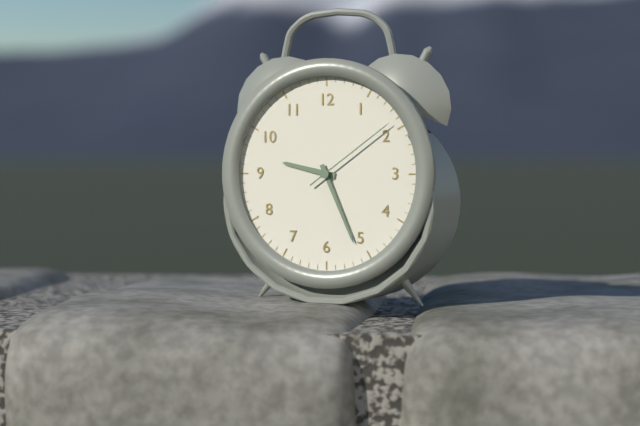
h=9 m=26 s=9
